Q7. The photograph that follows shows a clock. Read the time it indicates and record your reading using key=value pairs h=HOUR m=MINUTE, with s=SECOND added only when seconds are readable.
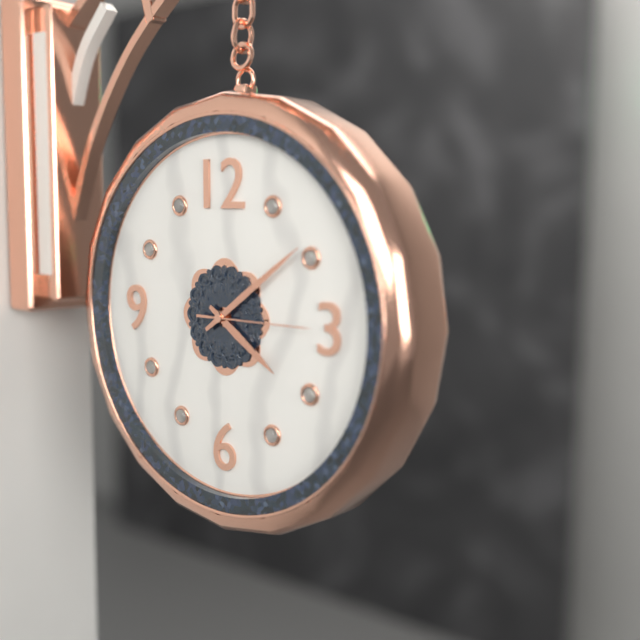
h=4 m=9 s=15
